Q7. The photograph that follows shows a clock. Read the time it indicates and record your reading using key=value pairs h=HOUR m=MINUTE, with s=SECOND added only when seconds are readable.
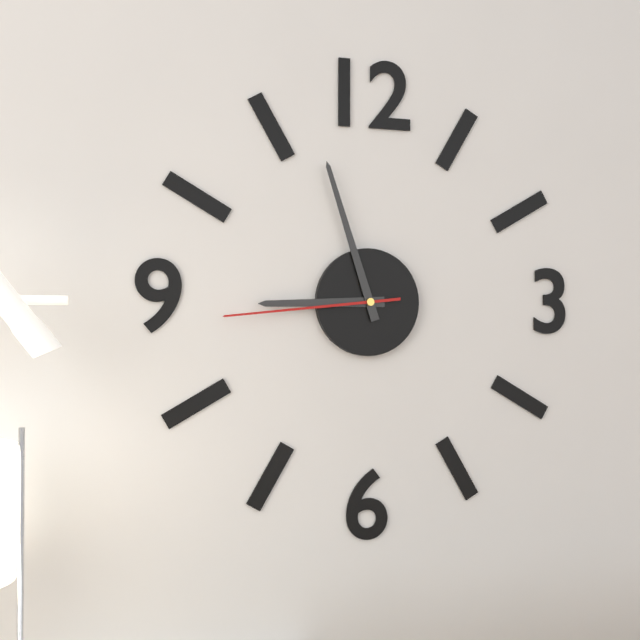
h=8 m=57 s=44
